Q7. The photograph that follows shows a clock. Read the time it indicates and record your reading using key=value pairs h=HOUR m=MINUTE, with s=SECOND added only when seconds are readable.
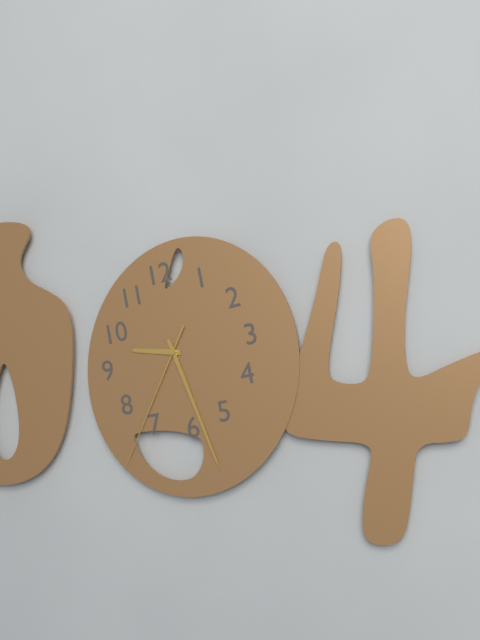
h=9 m=28 s=36
